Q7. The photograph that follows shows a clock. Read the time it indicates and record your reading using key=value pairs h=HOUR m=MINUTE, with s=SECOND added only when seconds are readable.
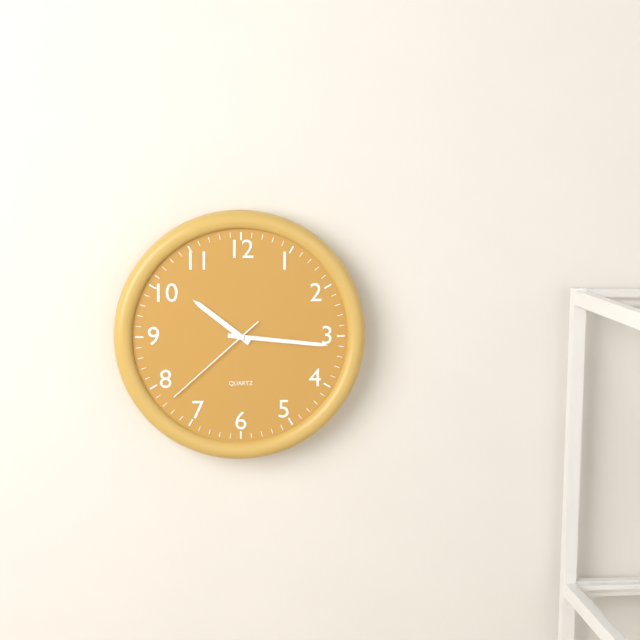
h=10 m=16 s=38
